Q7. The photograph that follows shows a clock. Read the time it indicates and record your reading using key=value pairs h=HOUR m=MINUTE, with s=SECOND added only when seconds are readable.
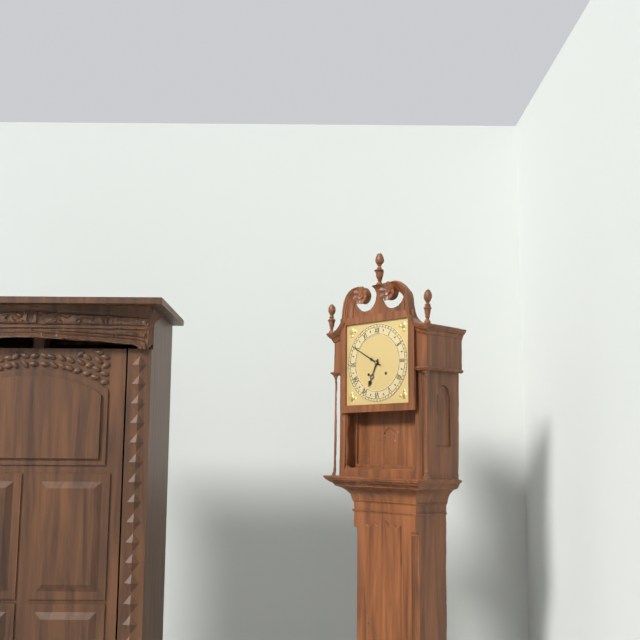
h=6 m=50
